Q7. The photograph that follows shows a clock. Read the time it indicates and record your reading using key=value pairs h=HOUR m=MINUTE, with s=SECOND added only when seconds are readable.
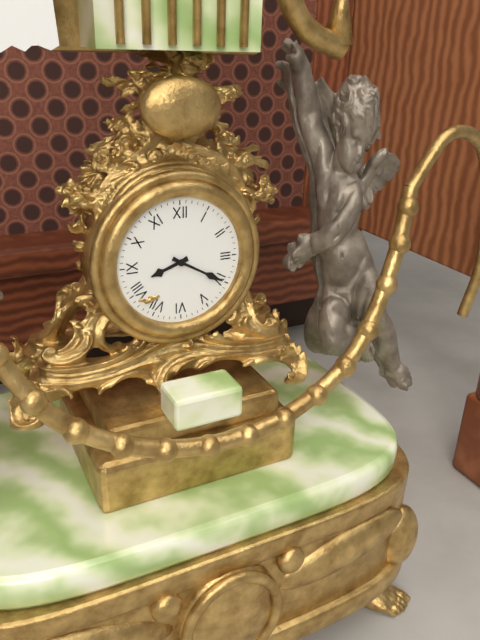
h=8 m=20
